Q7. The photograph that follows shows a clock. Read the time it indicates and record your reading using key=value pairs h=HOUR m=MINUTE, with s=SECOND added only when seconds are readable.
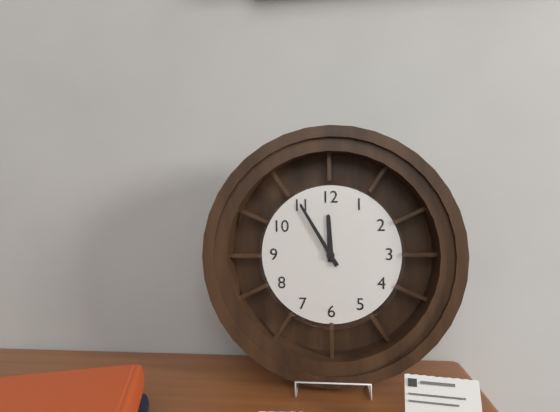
h=11 m=55
